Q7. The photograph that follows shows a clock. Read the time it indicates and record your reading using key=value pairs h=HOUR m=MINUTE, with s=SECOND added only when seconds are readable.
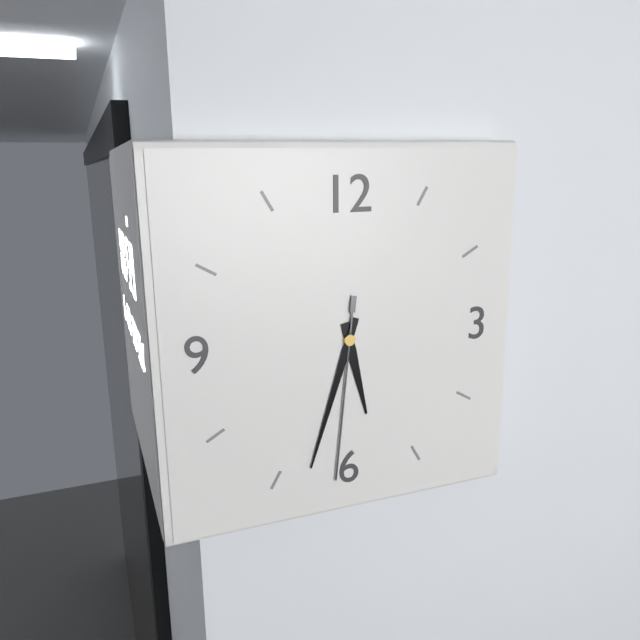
h=5 m=33 s=31
